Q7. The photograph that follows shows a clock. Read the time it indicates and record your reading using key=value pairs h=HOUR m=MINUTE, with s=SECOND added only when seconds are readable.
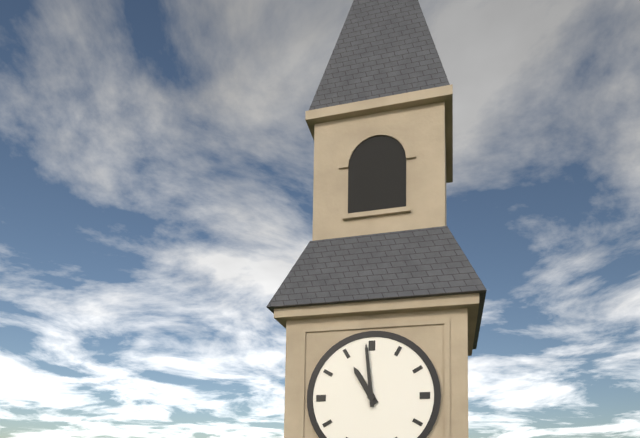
h=10 m=59
